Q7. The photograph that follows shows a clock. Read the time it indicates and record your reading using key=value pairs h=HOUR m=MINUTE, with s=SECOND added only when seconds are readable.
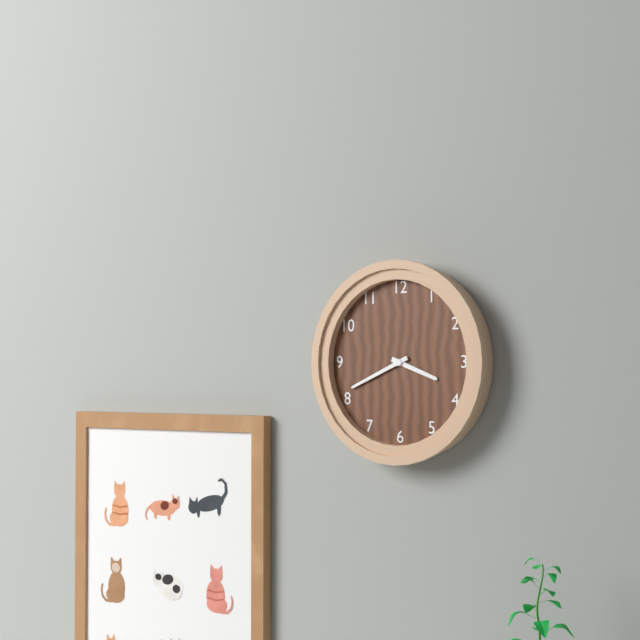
h=3 m=41
